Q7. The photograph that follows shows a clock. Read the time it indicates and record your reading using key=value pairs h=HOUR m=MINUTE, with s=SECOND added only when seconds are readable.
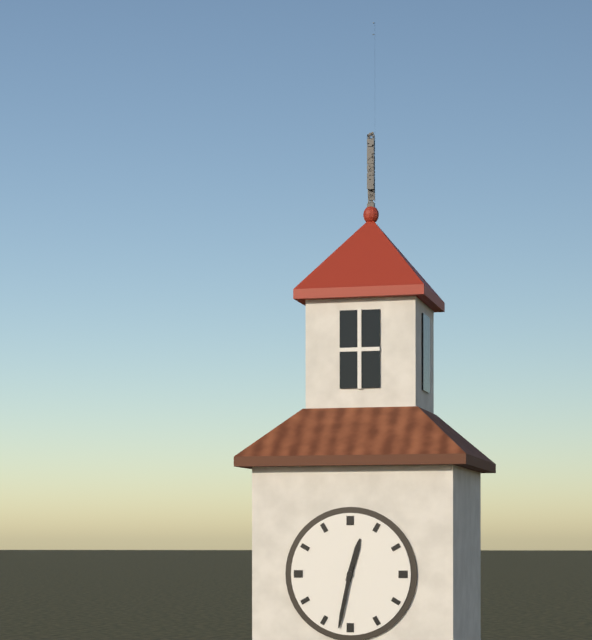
h=12 m=32
